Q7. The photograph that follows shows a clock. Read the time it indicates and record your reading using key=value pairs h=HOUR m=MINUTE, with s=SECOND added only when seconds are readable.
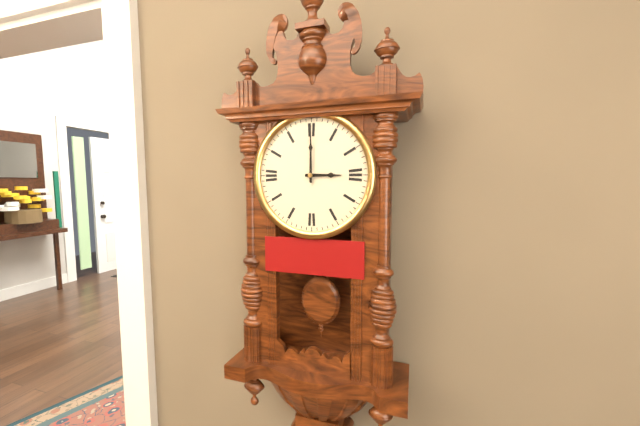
h=3 m=0
